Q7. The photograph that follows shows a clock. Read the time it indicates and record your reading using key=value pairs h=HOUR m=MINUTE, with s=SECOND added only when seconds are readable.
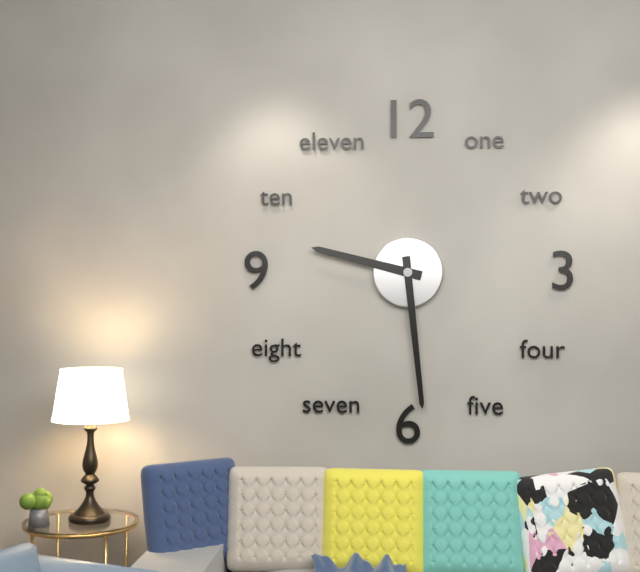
h=9 m=29
